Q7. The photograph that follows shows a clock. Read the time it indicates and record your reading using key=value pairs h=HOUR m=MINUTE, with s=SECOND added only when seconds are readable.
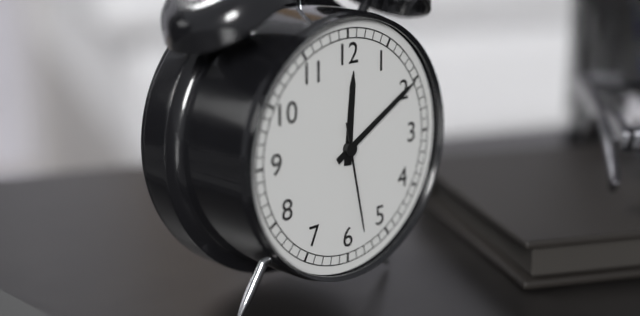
h=12 m=10 s=28
